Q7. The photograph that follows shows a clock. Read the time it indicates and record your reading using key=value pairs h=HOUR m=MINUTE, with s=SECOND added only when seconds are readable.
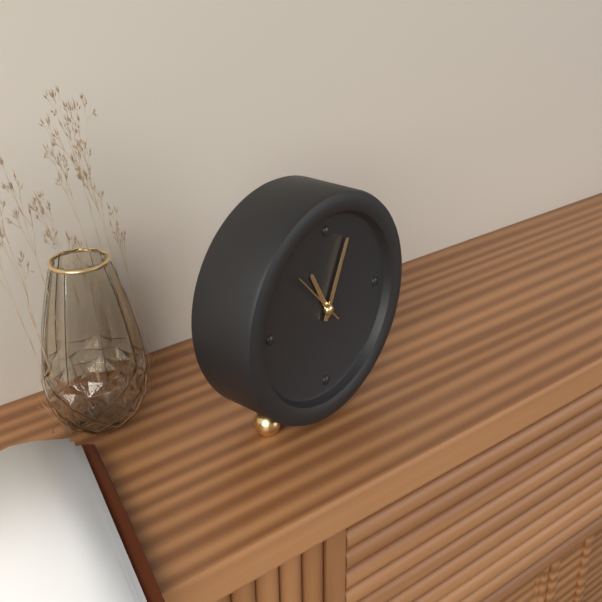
h=11 m=4 s=53
